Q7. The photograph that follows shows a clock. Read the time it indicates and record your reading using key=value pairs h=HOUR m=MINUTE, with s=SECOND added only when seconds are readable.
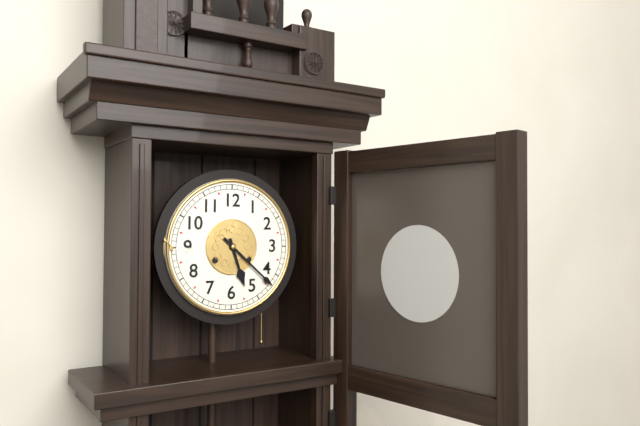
h=5 m=22
